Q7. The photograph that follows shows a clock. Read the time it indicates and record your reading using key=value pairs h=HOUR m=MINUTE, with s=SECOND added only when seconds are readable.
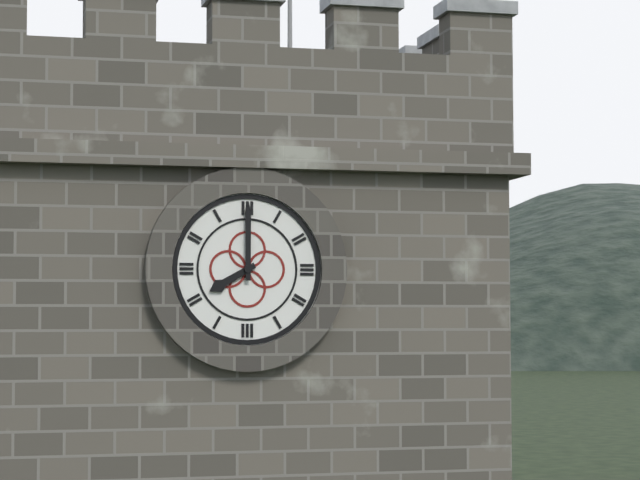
h=8 m=0
